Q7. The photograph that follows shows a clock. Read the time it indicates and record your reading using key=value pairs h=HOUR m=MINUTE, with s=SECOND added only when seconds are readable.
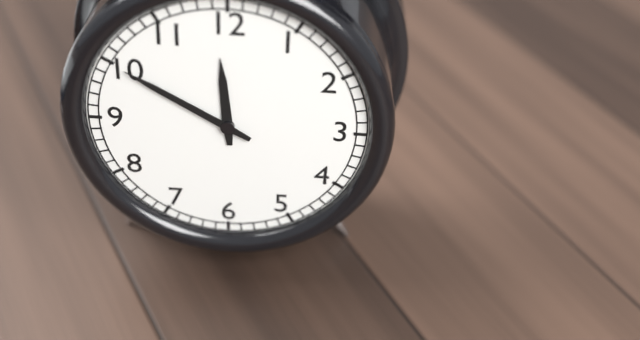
h=11 m=50
